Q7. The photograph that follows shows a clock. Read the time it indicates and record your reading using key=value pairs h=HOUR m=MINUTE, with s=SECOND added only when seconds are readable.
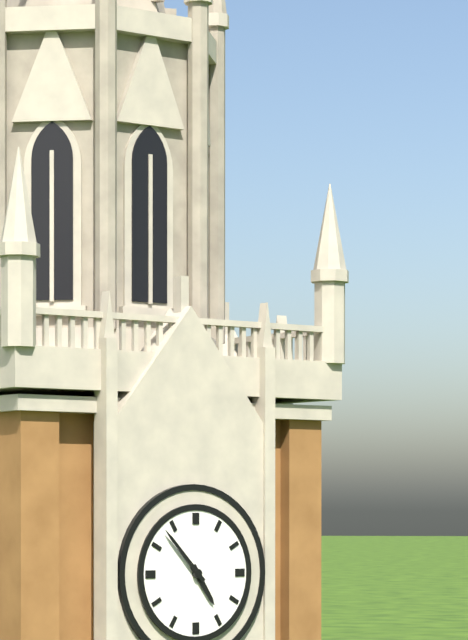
h=4 m=53
